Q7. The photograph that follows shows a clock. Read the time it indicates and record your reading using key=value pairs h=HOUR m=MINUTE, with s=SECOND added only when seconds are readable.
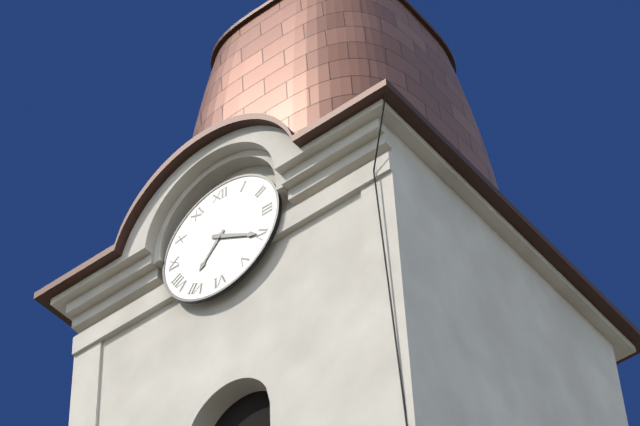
h=7 m=20
